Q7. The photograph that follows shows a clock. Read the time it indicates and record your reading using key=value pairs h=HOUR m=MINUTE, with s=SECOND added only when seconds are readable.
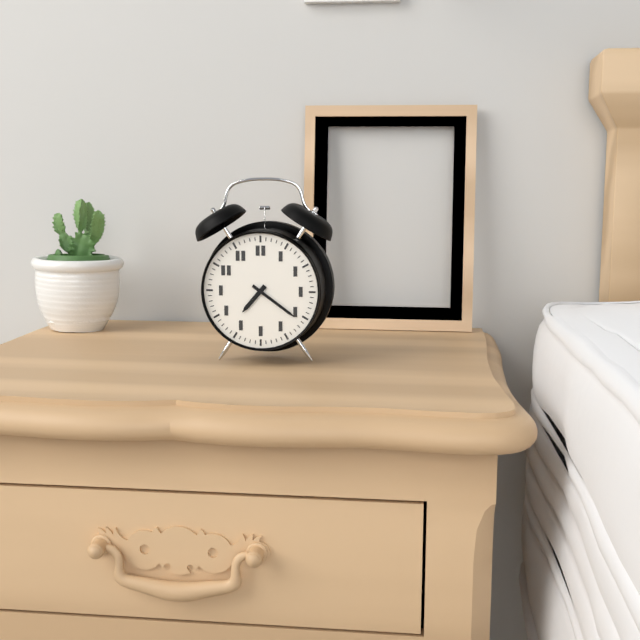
h=7 m=21
